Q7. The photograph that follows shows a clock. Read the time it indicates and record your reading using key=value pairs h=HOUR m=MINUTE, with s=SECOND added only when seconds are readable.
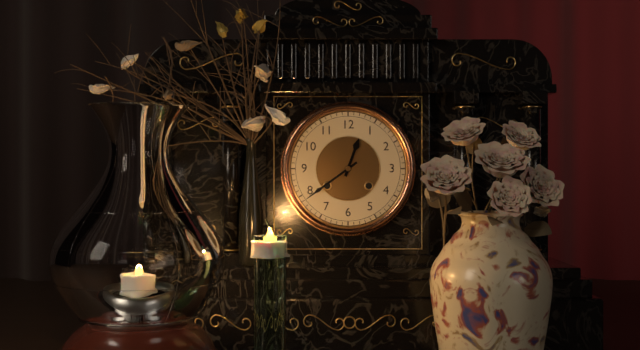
h=12 m=39
